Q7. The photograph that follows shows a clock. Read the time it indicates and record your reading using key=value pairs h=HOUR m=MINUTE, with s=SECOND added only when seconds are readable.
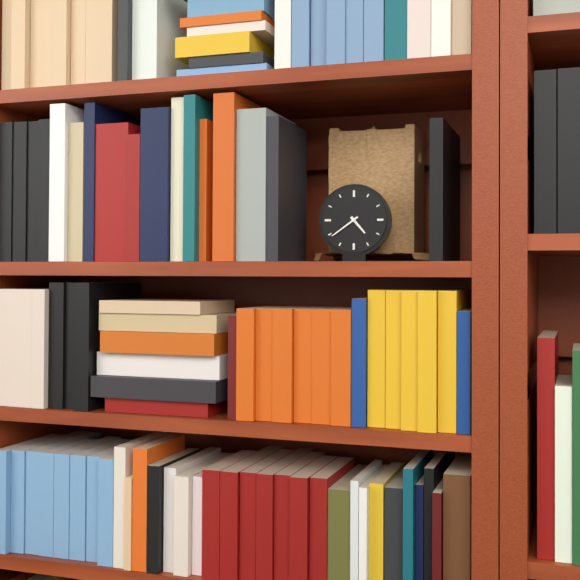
h=4 m=39
